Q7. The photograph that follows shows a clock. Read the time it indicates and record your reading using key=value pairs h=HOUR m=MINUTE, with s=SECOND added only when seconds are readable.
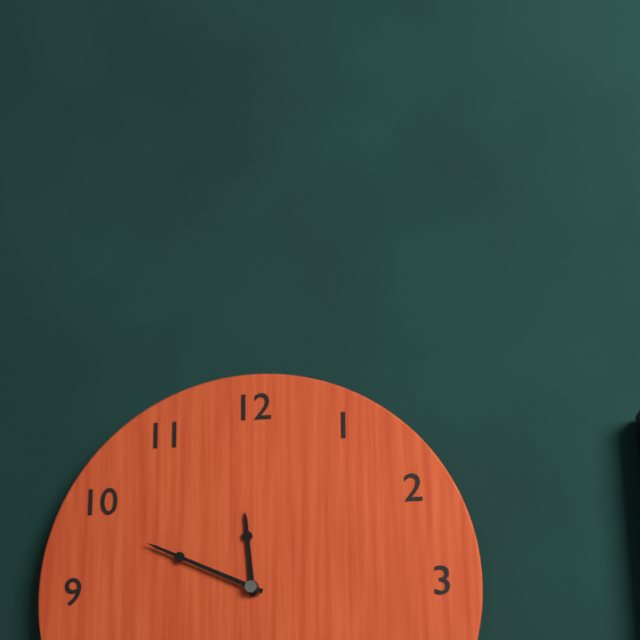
h=11 m=49
